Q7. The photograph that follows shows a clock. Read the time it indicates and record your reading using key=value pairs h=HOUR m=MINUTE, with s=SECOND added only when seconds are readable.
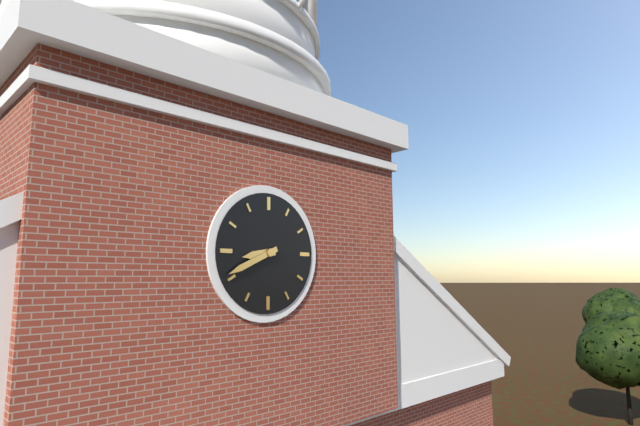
h=8 m=41
